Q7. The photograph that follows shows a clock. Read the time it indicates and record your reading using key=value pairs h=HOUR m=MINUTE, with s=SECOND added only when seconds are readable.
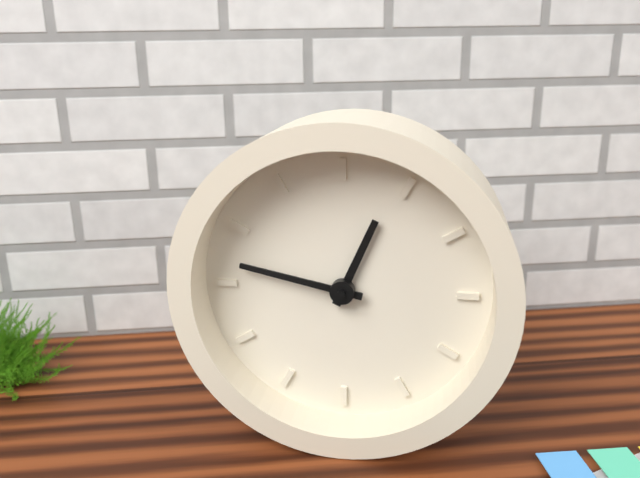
h=12 m=47
